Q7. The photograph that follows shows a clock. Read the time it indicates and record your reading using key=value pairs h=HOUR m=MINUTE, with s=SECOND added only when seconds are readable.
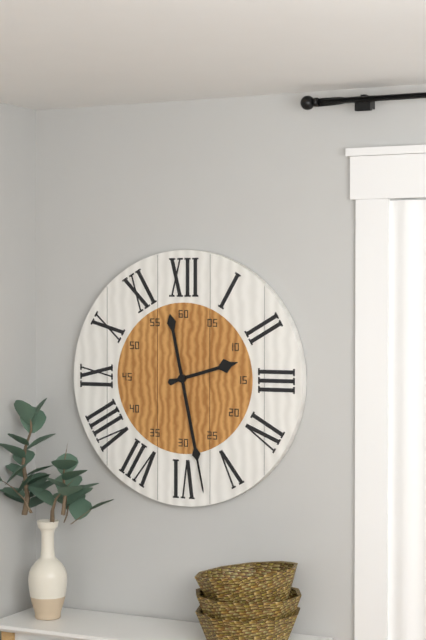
h=2 m=28
